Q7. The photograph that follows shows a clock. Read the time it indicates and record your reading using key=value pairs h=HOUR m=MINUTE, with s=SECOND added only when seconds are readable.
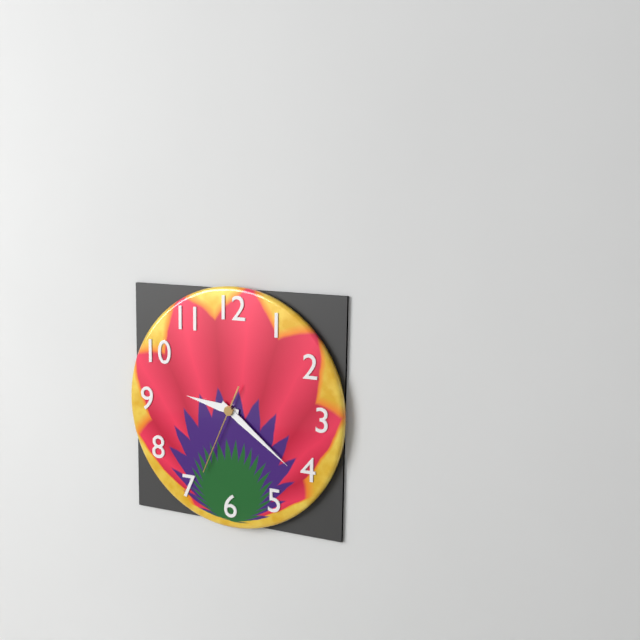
h=9 m=21 s=34
